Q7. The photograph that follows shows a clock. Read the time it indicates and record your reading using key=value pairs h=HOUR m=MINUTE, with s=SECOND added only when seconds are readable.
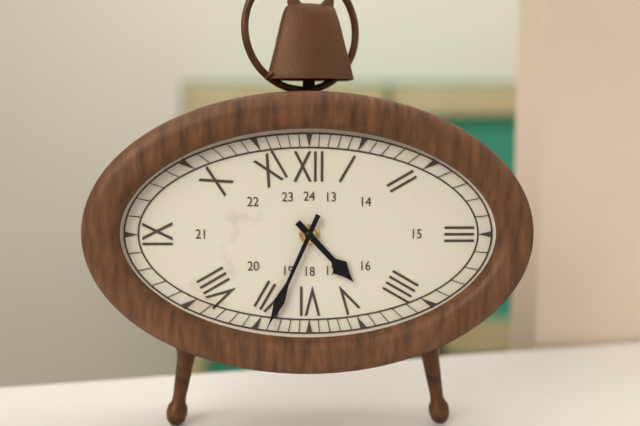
h=4 m=34
